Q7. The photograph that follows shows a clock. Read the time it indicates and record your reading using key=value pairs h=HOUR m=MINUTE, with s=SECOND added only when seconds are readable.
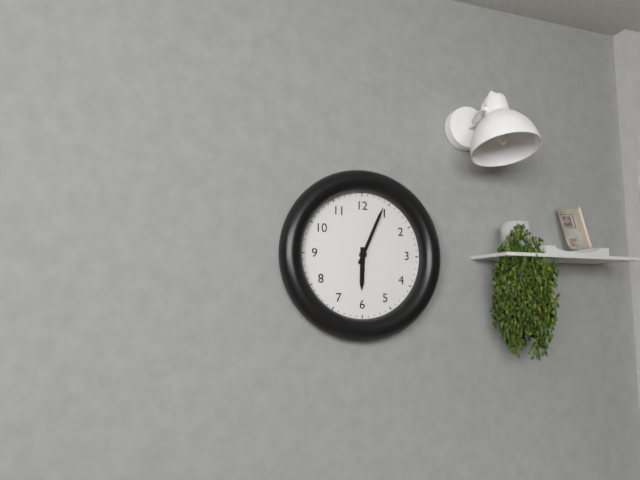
h=6 m=4
